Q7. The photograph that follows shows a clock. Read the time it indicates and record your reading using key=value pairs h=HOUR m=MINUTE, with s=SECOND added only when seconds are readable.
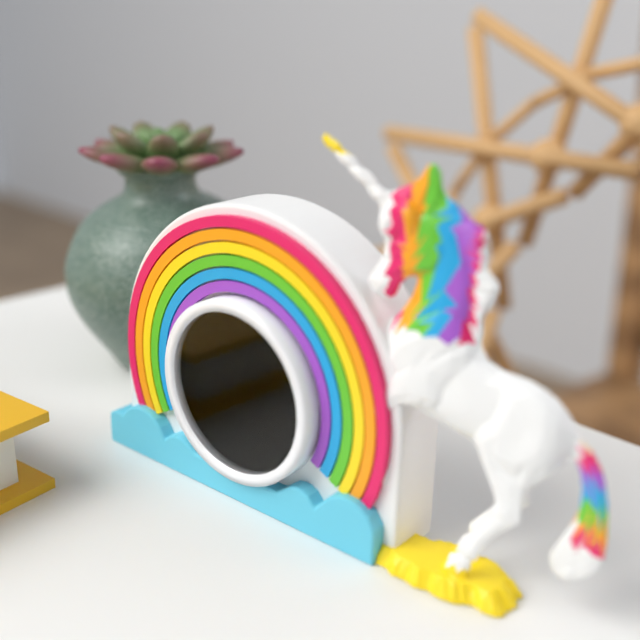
h=10 m=15
